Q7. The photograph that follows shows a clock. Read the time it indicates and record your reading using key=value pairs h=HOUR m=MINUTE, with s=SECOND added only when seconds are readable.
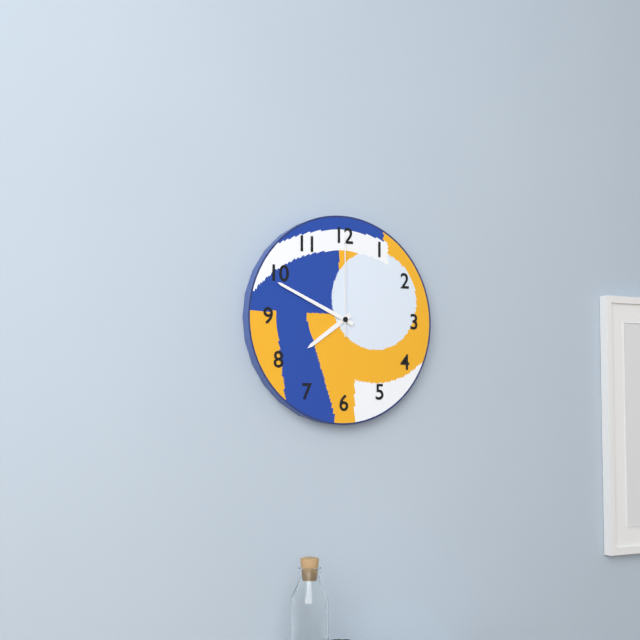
h=7 m=49 s=0
